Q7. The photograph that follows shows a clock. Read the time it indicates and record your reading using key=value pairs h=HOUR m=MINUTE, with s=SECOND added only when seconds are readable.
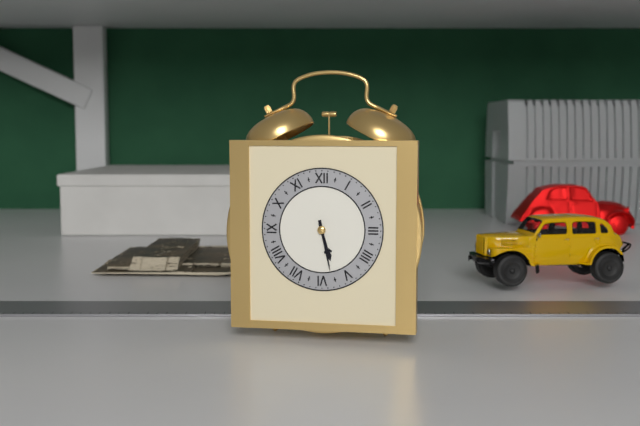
h=5 m=28
